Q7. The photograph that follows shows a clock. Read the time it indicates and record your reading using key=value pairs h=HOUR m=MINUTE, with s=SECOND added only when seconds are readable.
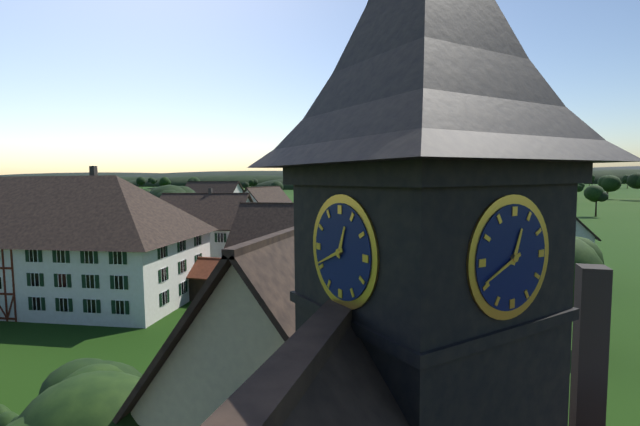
h=12 m=41
